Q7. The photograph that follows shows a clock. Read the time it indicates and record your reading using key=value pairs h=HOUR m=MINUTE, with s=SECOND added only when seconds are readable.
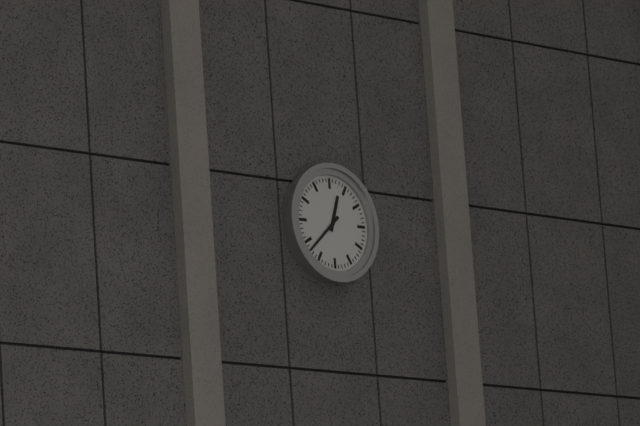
h=12 m=38
